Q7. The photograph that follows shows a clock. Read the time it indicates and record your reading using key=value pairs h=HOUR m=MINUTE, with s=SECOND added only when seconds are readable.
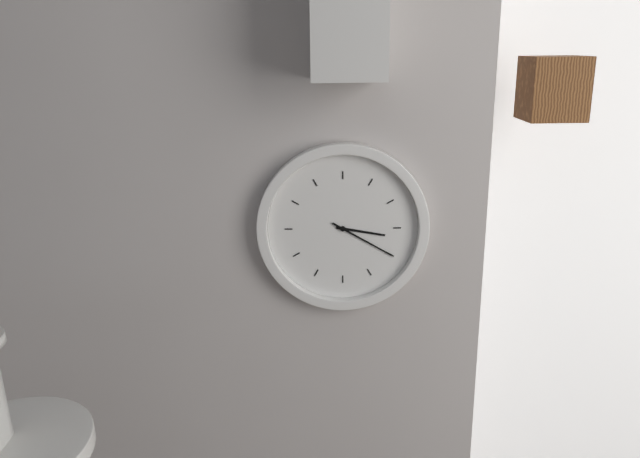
h=3 m=20
